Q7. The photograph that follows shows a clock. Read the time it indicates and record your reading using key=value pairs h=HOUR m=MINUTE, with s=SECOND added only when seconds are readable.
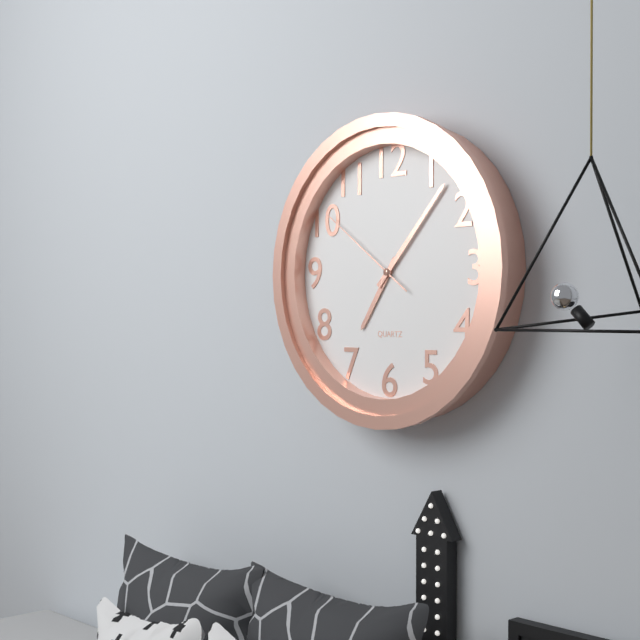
h=7 m=7 s=51
